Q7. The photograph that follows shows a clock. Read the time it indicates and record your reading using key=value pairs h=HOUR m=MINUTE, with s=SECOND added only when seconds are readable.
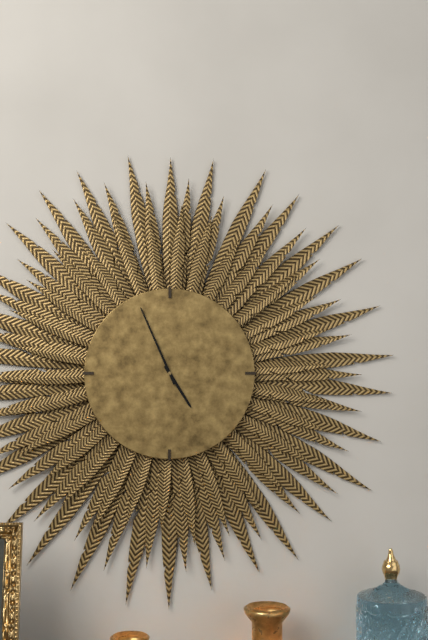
h=4 m=56
